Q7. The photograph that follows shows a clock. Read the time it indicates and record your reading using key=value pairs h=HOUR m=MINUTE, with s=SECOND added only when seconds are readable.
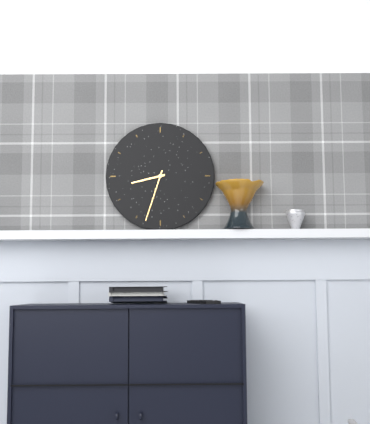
h=8 m=33
